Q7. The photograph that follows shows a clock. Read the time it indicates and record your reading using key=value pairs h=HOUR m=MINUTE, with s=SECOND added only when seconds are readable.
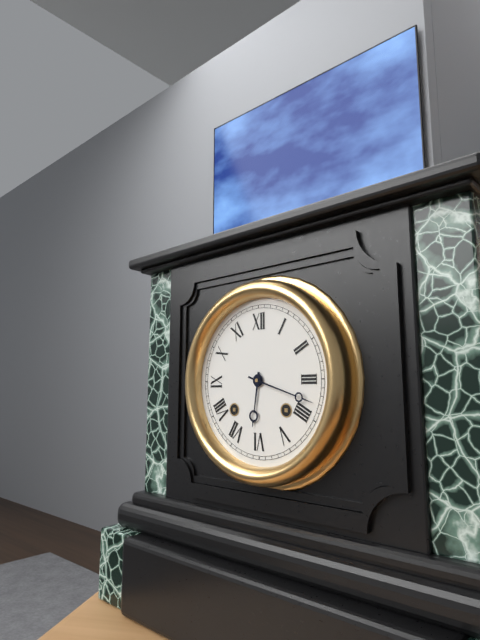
h=6 m=18
